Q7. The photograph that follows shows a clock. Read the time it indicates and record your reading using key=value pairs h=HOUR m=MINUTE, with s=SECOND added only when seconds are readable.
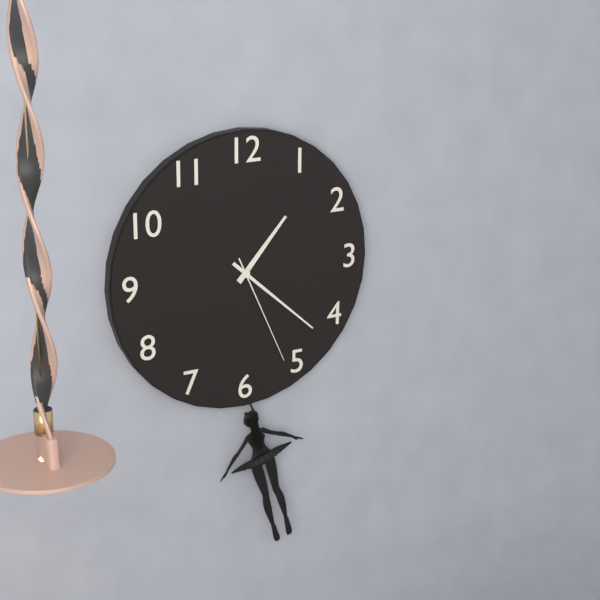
h=1 m=22 s=26
